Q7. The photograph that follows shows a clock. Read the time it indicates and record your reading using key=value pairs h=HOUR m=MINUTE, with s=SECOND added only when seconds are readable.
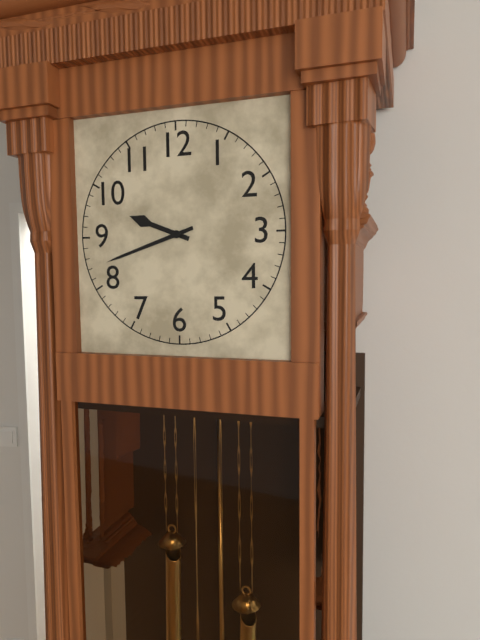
h=9 m=42
